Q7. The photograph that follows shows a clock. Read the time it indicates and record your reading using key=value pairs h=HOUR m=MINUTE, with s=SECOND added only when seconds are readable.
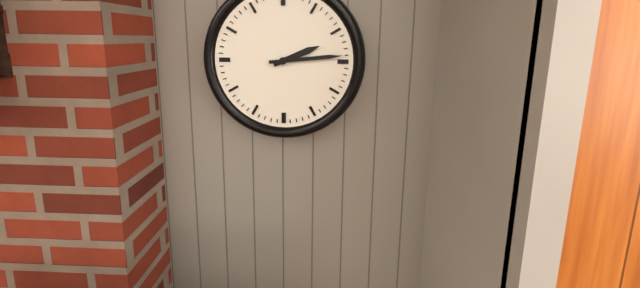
h=2 m=14
